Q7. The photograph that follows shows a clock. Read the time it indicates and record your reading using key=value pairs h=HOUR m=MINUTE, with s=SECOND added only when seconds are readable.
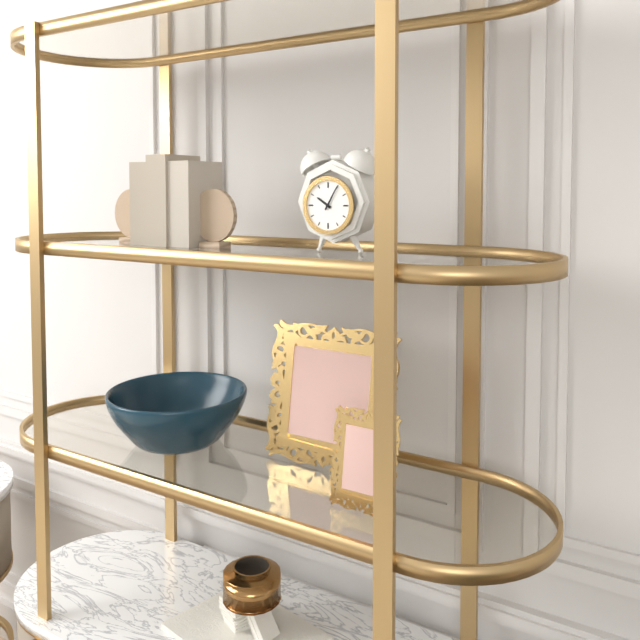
h=10 m=5
